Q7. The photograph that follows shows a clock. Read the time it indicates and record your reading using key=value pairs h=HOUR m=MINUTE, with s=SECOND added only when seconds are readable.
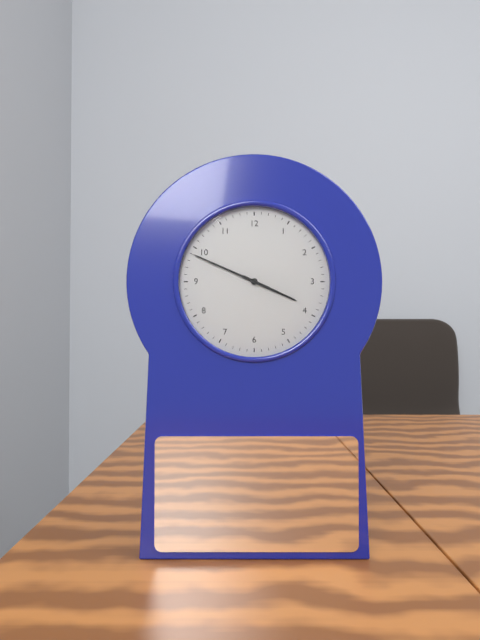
h=3 m=49
